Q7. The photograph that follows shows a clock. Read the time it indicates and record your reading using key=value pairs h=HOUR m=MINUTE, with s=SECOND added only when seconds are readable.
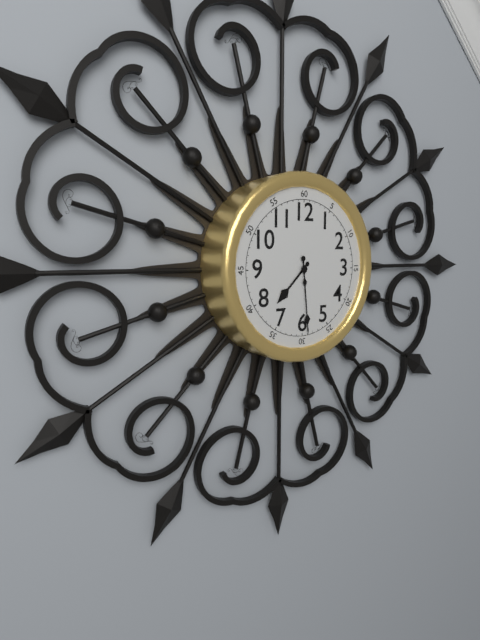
h=7 m=29
